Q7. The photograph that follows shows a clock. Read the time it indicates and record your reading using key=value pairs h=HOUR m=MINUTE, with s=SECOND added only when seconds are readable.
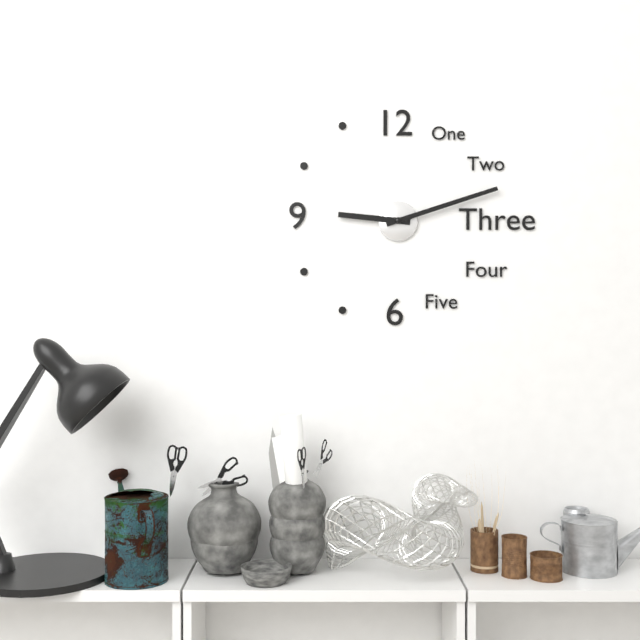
h=9 m=12
